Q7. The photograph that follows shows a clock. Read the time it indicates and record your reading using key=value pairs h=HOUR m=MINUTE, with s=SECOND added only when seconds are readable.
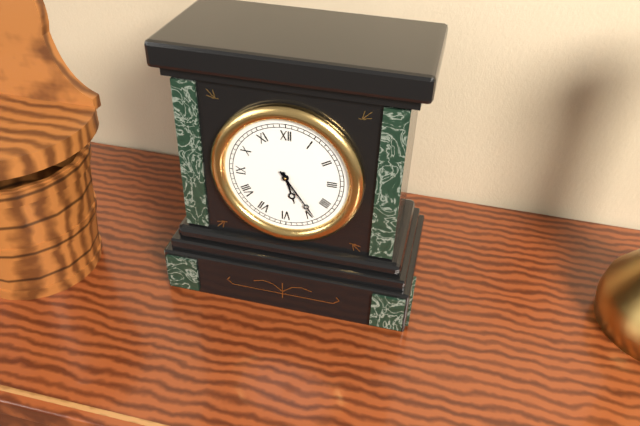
h=5 m=24
